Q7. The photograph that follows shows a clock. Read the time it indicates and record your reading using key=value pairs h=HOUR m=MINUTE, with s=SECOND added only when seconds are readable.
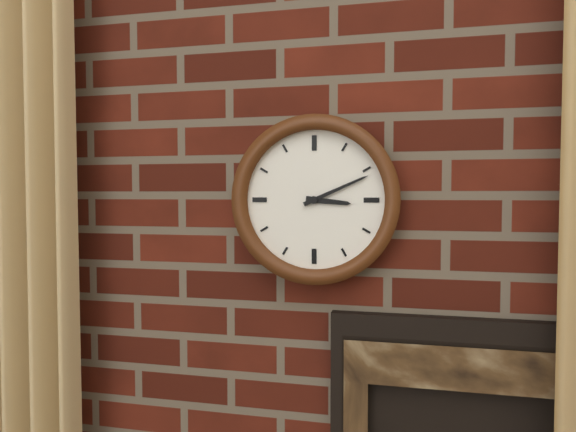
h=3 m=11
